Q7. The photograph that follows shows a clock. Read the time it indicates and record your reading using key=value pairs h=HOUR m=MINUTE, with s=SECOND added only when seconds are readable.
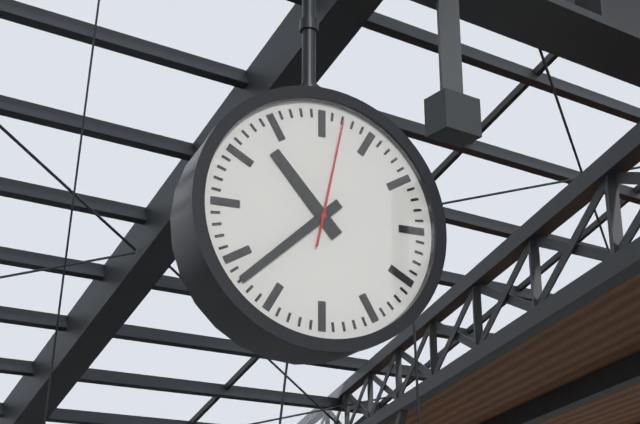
h=10 m=38 s=2
